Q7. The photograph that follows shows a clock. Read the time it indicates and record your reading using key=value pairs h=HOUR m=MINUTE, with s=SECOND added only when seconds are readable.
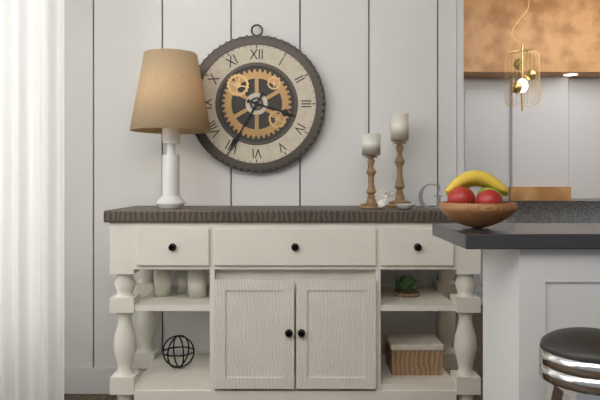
h=3 m=35
